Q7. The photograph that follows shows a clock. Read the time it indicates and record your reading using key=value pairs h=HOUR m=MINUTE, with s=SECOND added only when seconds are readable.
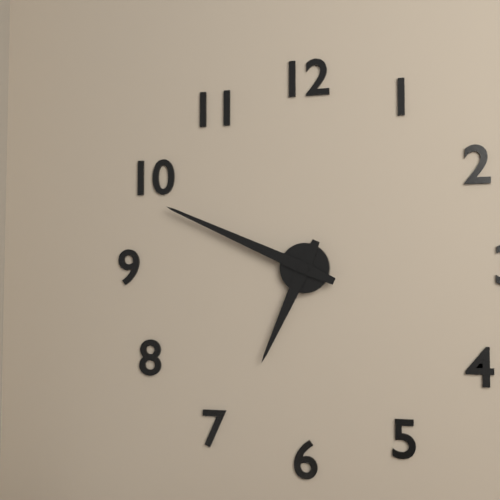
h=6 m=49
